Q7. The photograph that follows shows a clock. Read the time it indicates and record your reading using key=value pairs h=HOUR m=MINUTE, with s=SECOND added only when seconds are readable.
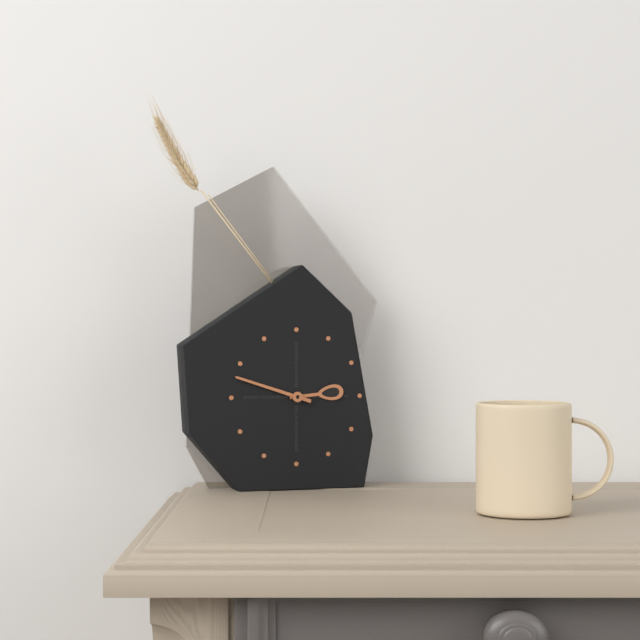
h=2 m=48
